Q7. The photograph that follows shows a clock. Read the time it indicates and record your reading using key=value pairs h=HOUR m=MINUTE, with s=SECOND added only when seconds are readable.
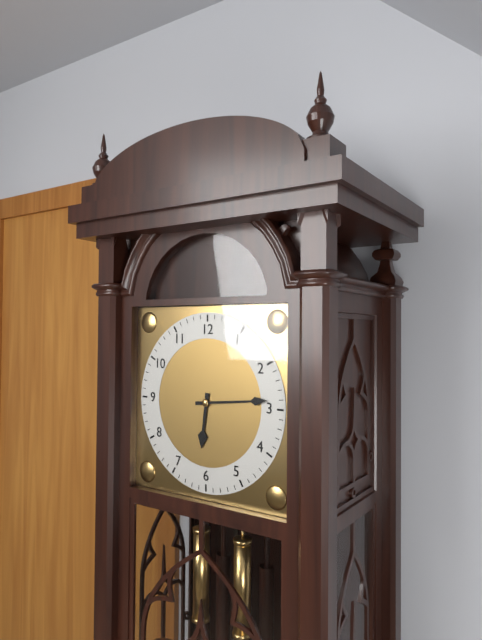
h=6 m=14
